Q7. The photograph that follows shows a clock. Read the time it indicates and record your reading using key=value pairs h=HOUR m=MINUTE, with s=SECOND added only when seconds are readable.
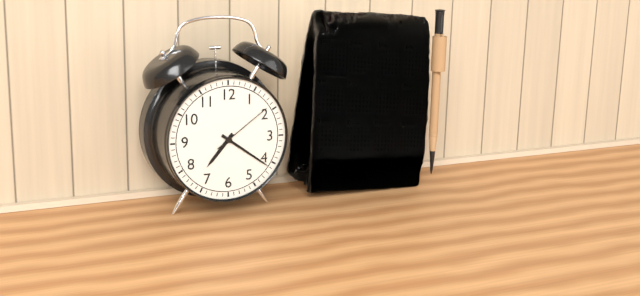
h=7 m=21 s=9
